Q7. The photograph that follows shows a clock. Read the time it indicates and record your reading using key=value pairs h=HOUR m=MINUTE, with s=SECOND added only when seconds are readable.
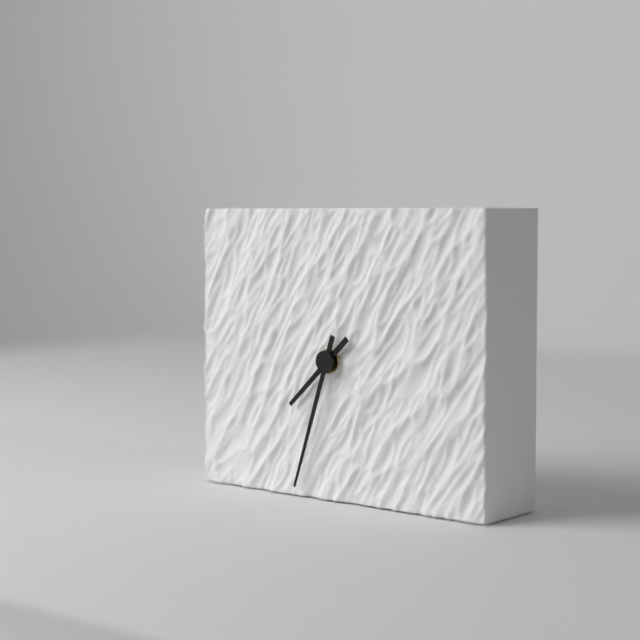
h=7 m=33
